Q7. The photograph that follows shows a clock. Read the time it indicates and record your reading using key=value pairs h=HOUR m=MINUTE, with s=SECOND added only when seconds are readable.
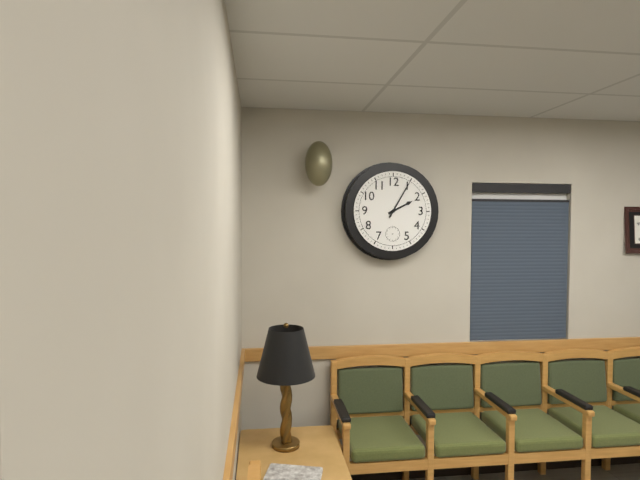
h=2 m=5
